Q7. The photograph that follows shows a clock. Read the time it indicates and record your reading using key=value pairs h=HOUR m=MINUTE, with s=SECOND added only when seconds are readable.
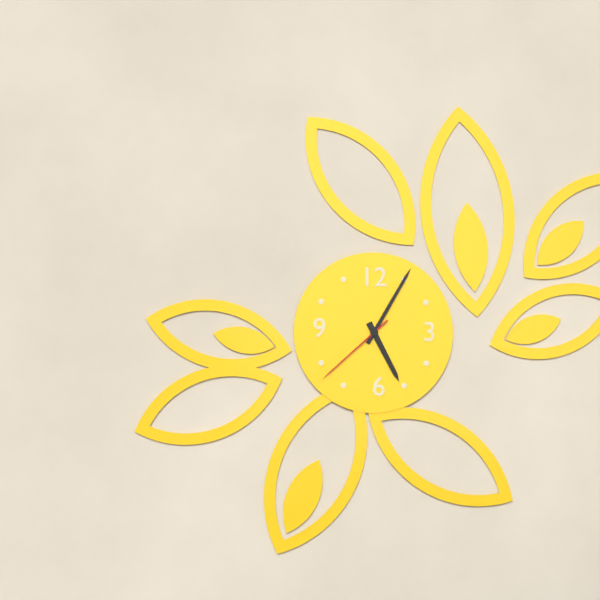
h=5 m=5 s=38
